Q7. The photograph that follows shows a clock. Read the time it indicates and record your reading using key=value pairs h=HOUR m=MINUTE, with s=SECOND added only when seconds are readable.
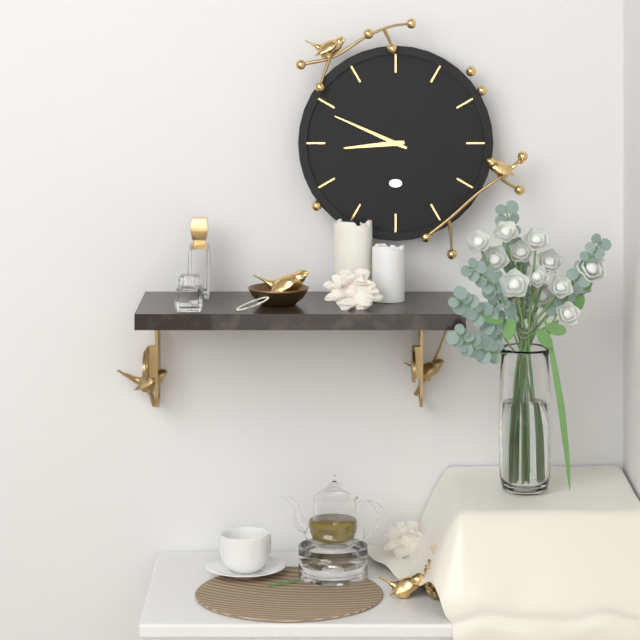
h=8 m=49
